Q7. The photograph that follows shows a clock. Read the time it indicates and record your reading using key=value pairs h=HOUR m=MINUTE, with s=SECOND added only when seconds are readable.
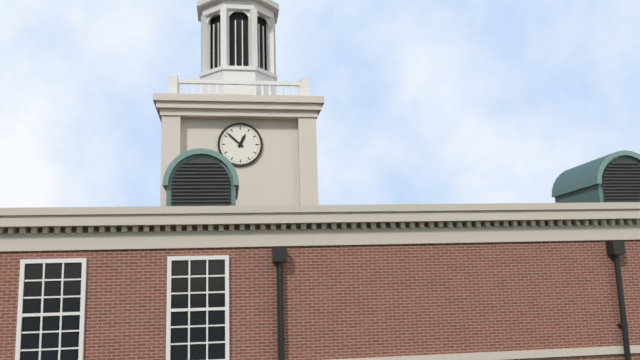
h=12 m=52
